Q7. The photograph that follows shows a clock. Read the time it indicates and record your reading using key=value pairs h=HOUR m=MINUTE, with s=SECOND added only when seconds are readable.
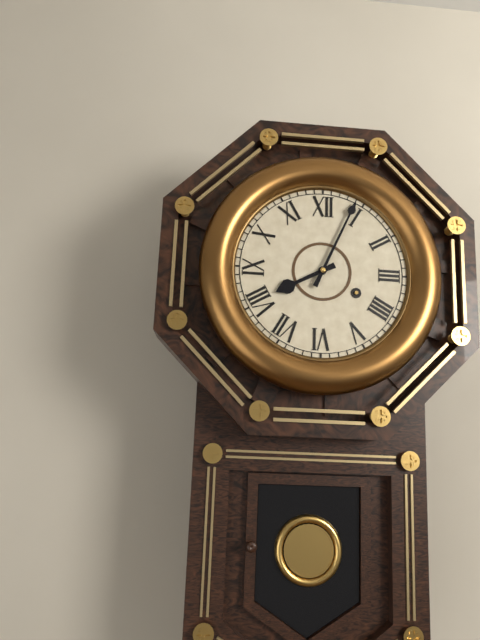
h=8 m=4
